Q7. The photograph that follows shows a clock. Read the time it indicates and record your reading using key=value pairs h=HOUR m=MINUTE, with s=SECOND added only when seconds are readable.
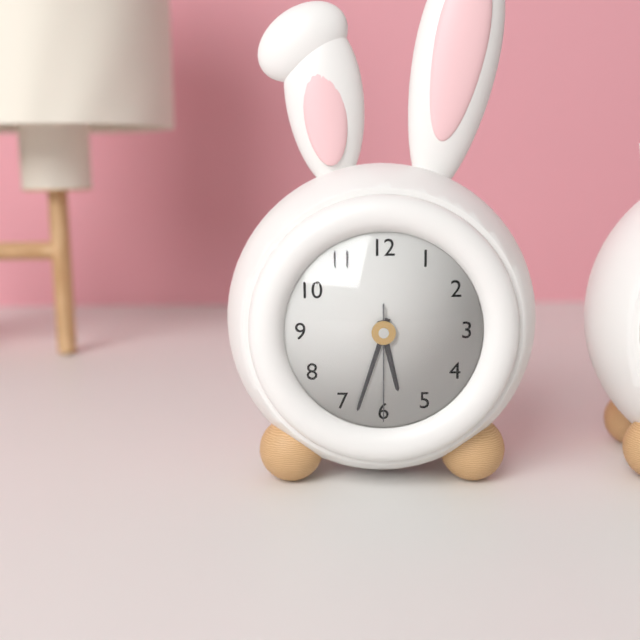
h=5 m=33 s=30
